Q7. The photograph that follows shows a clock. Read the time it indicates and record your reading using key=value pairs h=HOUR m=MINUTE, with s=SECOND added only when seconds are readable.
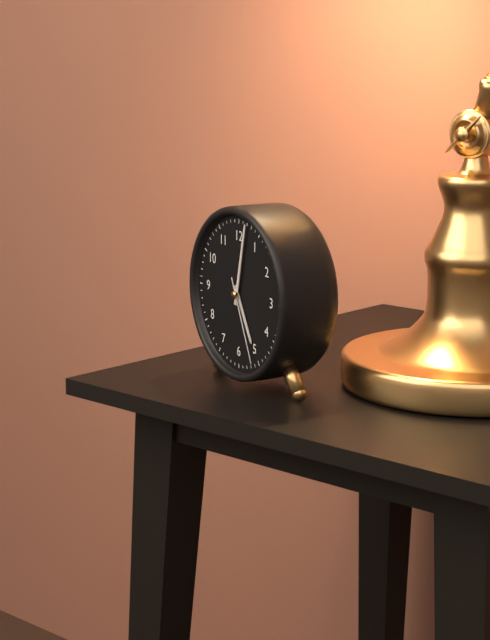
h=5 m=2 s=26
